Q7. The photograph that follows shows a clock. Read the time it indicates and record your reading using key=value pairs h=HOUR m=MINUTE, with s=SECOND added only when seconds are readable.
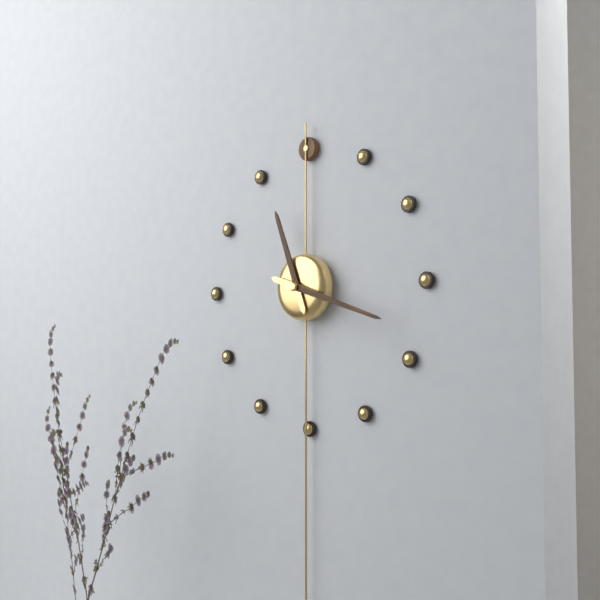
h=11 m=18
